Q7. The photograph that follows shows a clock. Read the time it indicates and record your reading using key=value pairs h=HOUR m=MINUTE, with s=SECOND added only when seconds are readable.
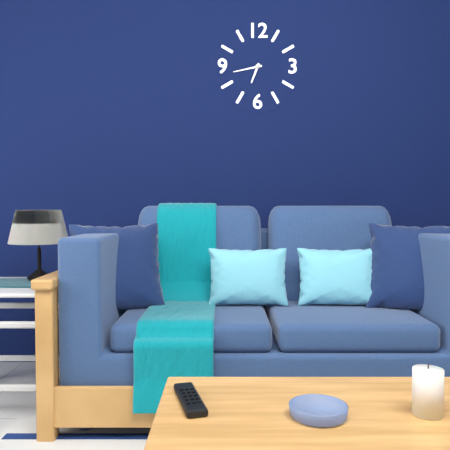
h=6 m=43
